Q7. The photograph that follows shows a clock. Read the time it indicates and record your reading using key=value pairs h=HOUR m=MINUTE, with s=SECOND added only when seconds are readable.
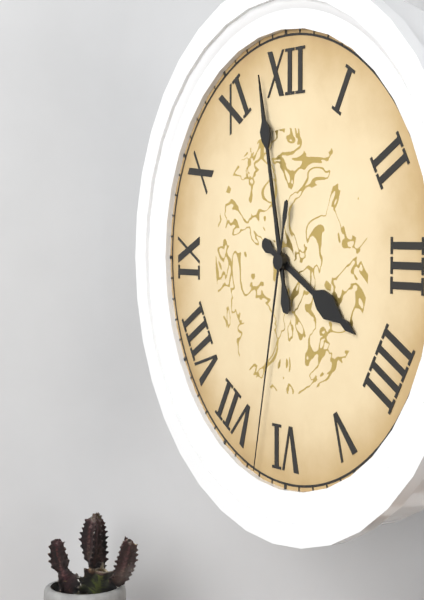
h=3 m=58 s=32
